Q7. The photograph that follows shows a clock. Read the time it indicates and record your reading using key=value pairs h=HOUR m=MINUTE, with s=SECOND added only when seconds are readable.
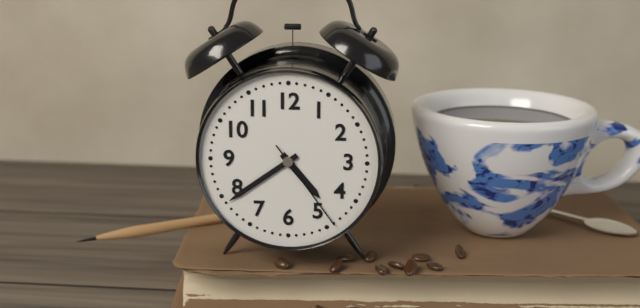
h=4 m=39 s=24
